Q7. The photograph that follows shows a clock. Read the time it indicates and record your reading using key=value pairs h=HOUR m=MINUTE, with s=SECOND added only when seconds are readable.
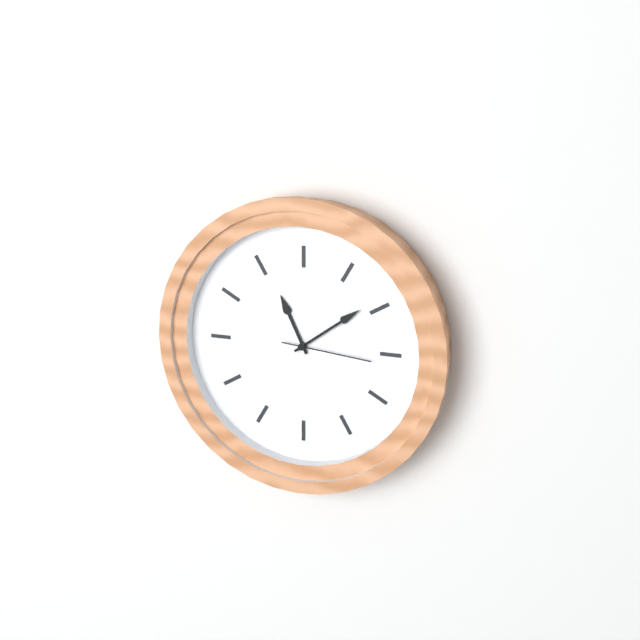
h=11 m=9 s=16
